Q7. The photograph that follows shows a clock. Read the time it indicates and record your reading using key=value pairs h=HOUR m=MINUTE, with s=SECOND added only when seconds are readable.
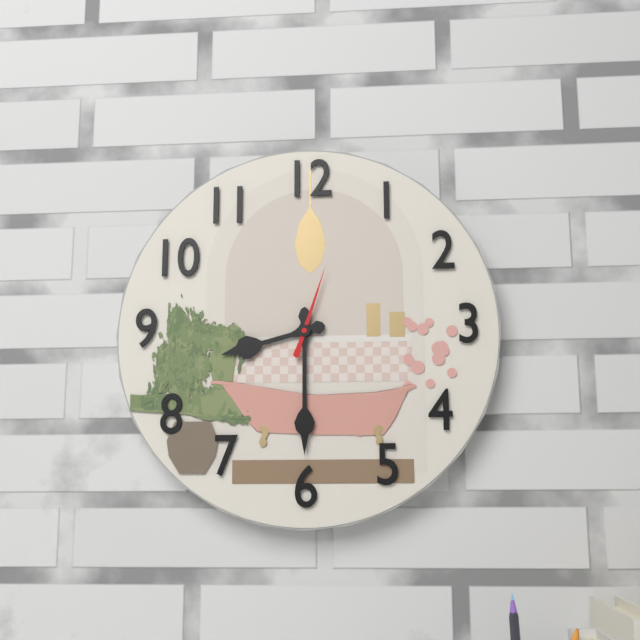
h=8 m=30 s=3
